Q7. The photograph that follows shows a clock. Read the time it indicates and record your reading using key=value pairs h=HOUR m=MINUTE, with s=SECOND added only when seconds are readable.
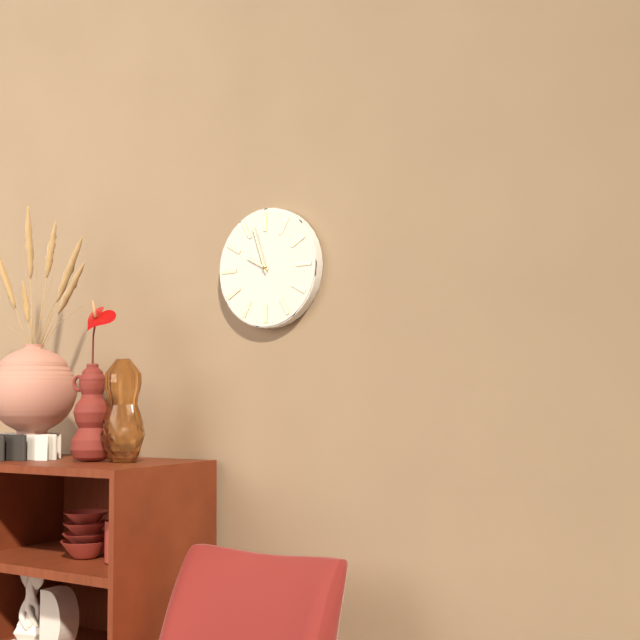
h=9 m=57
